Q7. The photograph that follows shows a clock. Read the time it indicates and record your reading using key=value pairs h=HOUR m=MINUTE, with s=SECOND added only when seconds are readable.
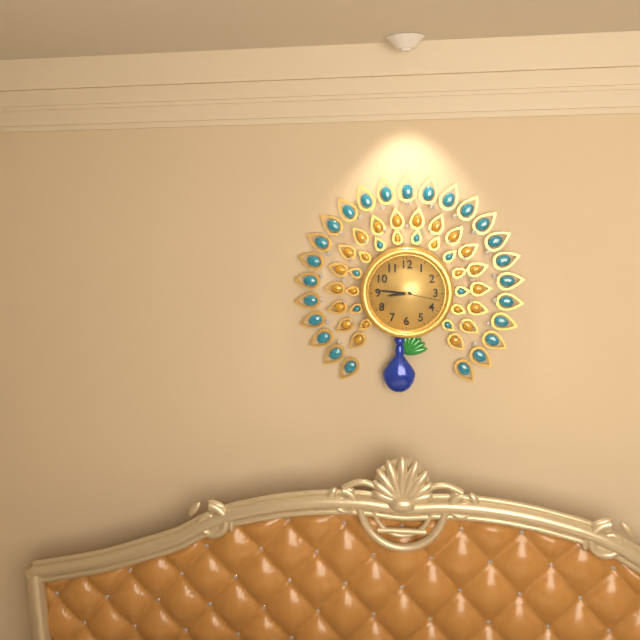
h=8 m=46
